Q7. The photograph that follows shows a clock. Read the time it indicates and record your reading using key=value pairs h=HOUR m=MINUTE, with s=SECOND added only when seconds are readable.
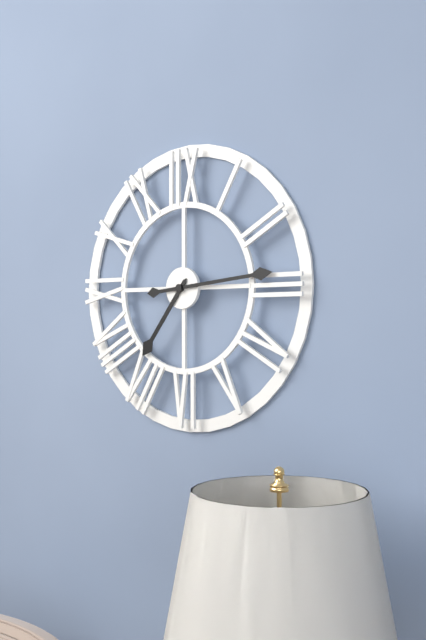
h=7 m=14
